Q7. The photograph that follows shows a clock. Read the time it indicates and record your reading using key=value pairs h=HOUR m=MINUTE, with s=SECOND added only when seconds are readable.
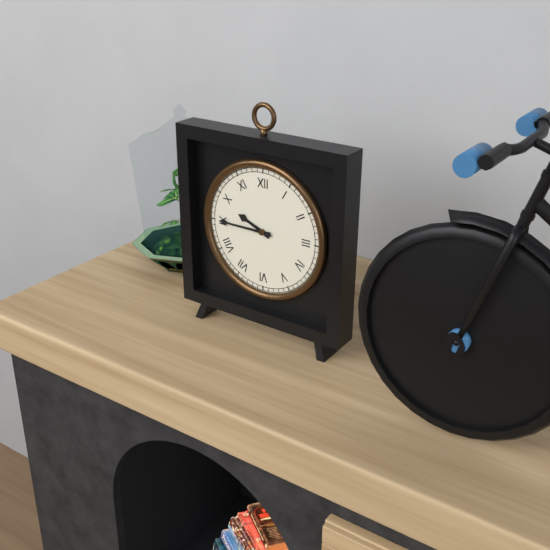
h=9 m=45
